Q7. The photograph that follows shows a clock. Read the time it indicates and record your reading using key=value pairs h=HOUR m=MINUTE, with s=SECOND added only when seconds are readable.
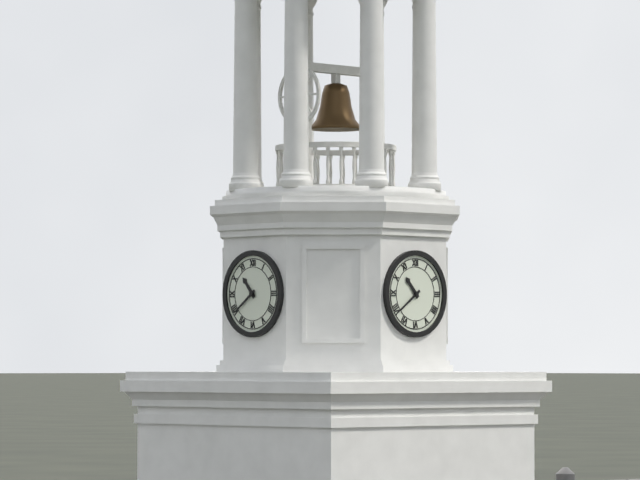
h=10 m=39
